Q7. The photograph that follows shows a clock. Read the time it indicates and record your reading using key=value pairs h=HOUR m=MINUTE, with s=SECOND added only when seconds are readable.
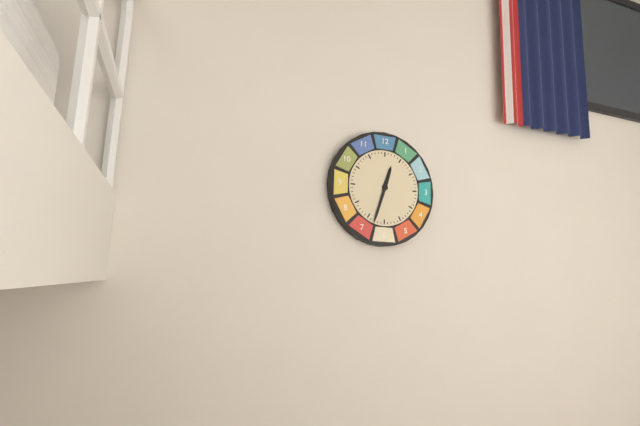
h=12 m=33
